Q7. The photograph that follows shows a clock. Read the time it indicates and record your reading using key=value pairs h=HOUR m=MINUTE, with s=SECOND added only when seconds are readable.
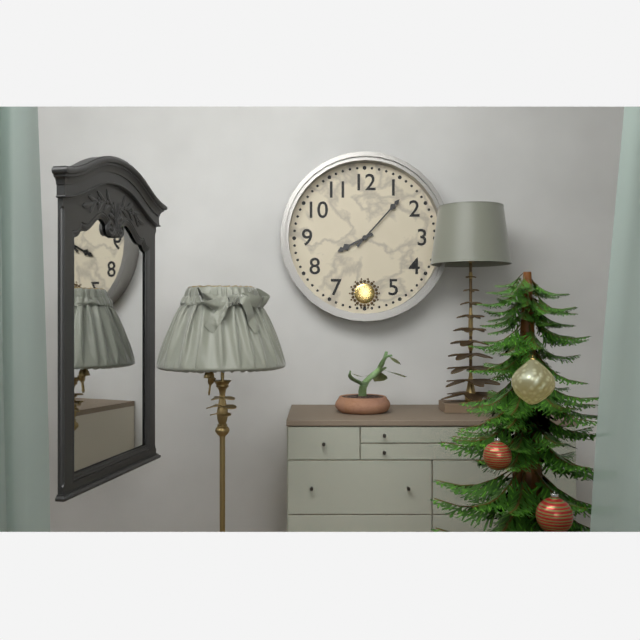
h=8 m=7
